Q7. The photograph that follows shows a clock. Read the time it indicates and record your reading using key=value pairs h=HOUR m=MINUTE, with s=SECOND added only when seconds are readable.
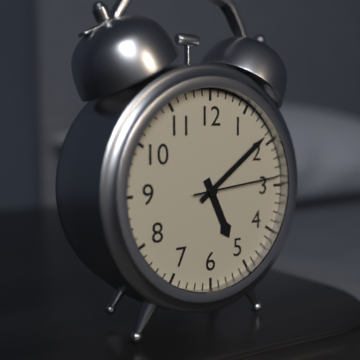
h=5 m=9 s=14
